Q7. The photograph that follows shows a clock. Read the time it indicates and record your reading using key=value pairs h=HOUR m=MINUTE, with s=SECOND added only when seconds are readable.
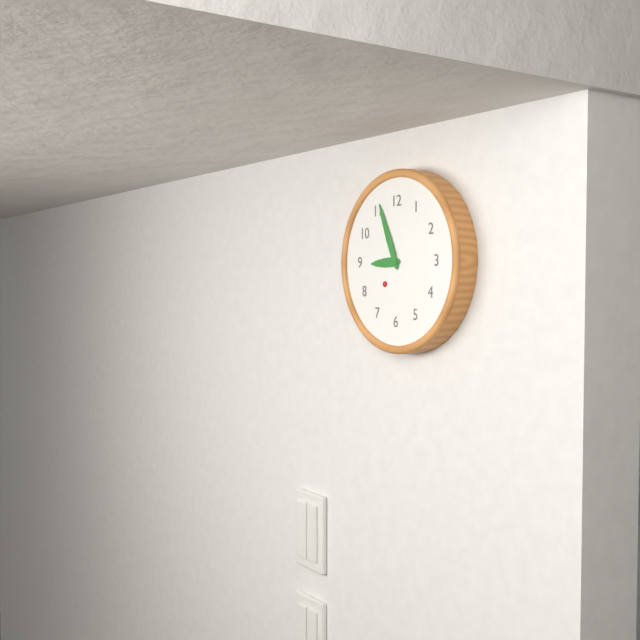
h=8 m=56
